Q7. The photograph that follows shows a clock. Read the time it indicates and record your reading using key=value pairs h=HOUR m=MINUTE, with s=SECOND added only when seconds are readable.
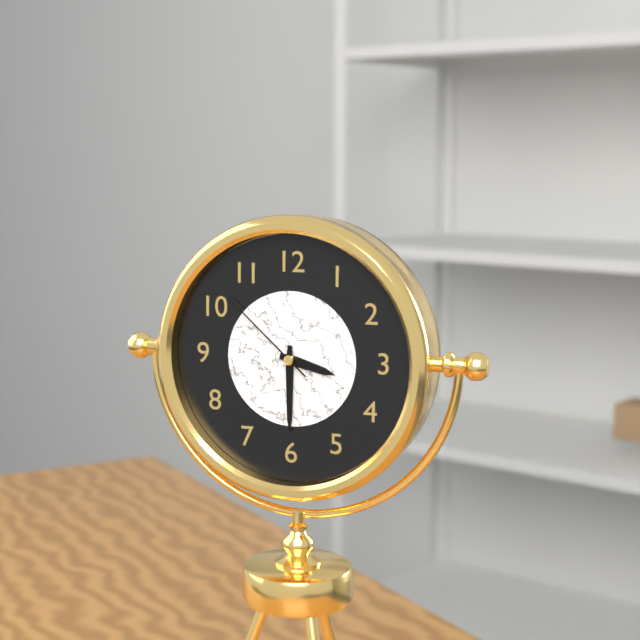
h=3 m=30 s=52
